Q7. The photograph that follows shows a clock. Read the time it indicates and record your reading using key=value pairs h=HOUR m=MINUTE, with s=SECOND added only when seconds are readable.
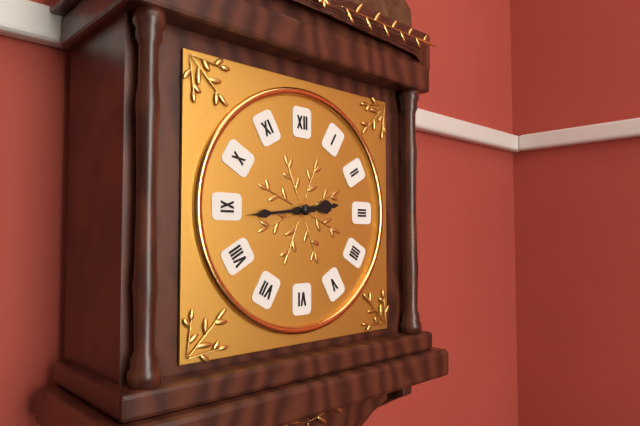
h=2 m=44
